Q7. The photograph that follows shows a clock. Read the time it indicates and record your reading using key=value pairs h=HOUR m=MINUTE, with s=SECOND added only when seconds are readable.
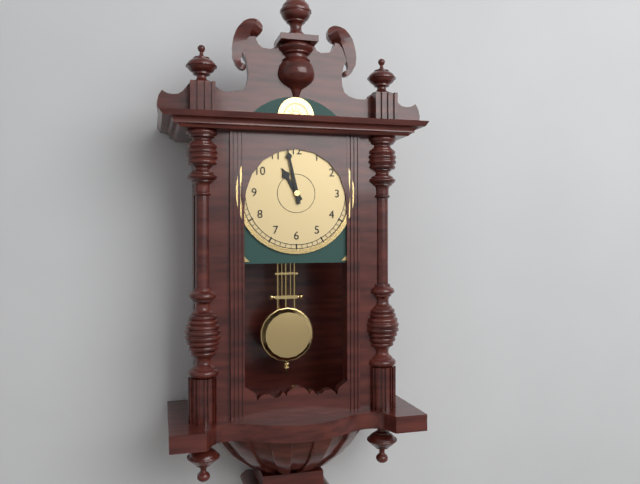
h=10 m=58
